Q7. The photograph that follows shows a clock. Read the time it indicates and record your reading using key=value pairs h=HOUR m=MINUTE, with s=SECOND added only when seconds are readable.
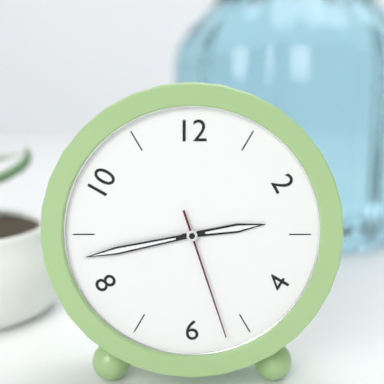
h=2 m=43 s=27
